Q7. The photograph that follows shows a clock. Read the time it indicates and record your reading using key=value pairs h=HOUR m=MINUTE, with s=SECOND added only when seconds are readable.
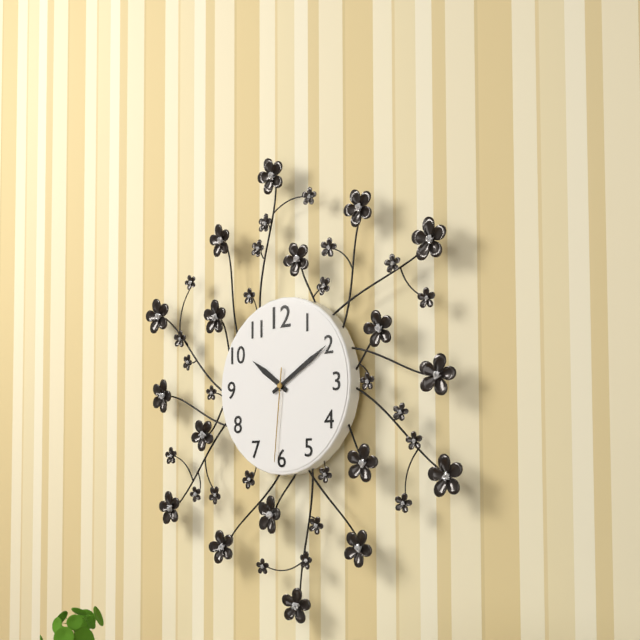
h=10 m=10 s=31
